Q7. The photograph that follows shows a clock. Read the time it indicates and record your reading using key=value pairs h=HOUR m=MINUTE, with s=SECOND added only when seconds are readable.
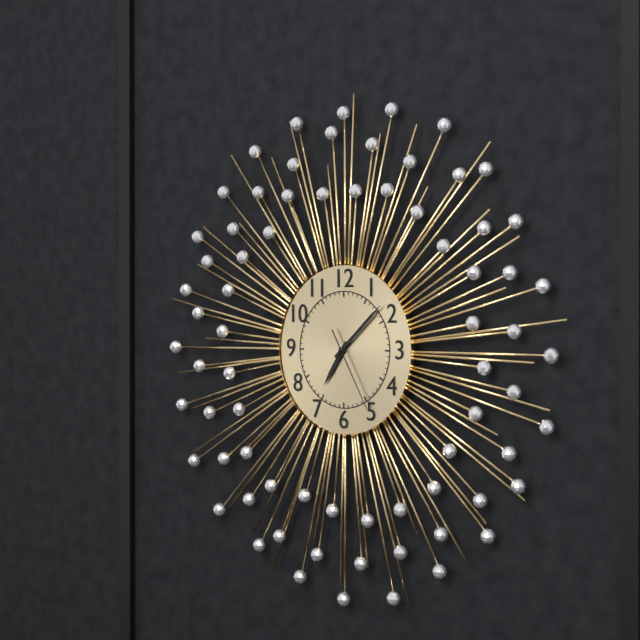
h=7 m=8 s=25
